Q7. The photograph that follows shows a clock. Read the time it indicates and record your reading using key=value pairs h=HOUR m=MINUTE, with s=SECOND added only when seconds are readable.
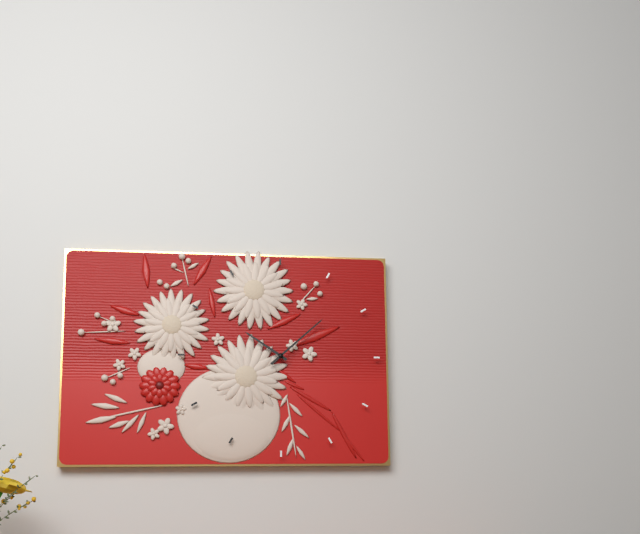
h=10 m=8
